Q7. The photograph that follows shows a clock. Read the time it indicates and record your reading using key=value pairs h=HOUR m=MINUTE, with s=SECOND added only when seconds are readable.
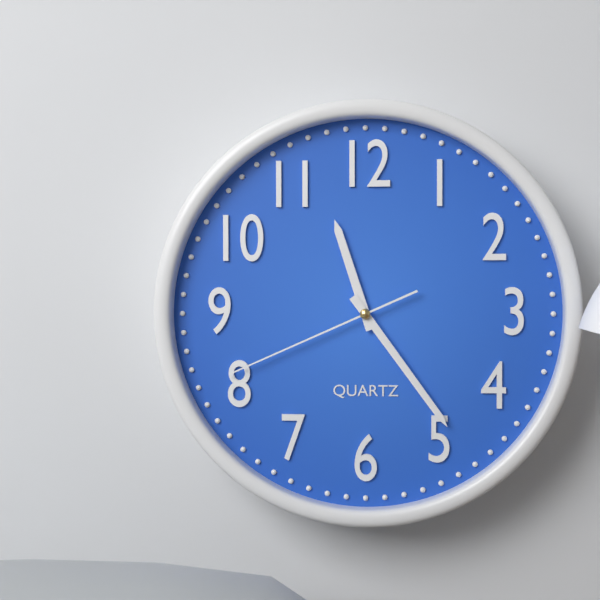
h=11 m=24 s=41
